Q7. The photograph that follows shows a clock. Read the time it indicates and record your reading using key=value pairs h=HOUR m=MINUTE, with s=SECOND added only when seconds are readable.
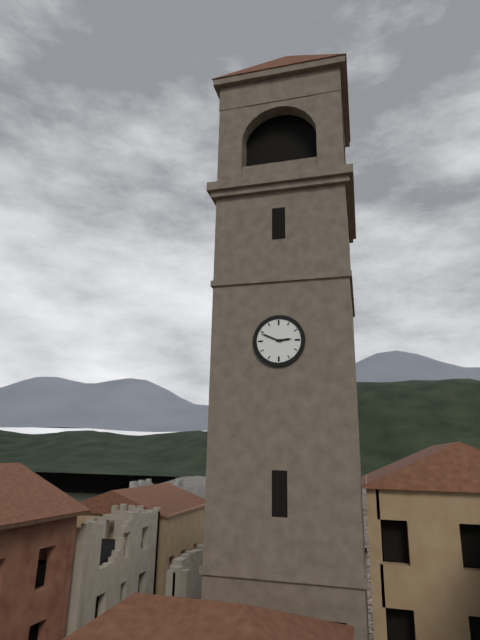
h=2 m=49
